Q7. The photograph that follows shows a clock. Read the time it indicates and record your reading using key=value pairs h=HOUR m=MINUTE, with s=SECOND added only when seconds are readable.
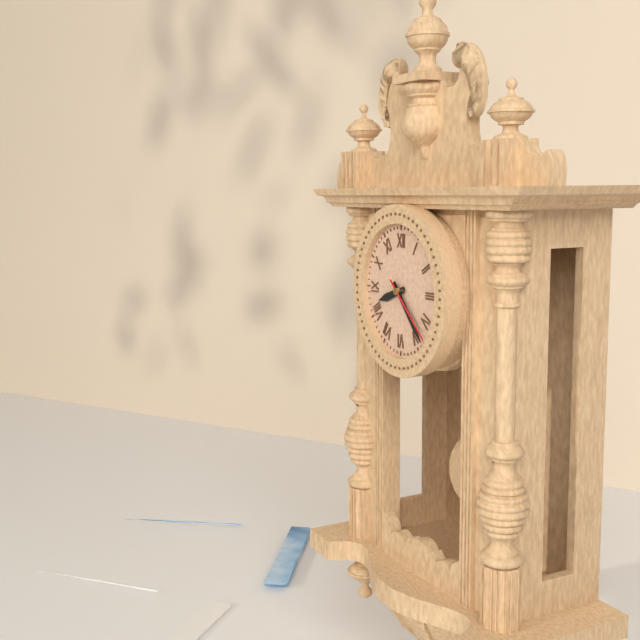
h=8 m=23 s=22
